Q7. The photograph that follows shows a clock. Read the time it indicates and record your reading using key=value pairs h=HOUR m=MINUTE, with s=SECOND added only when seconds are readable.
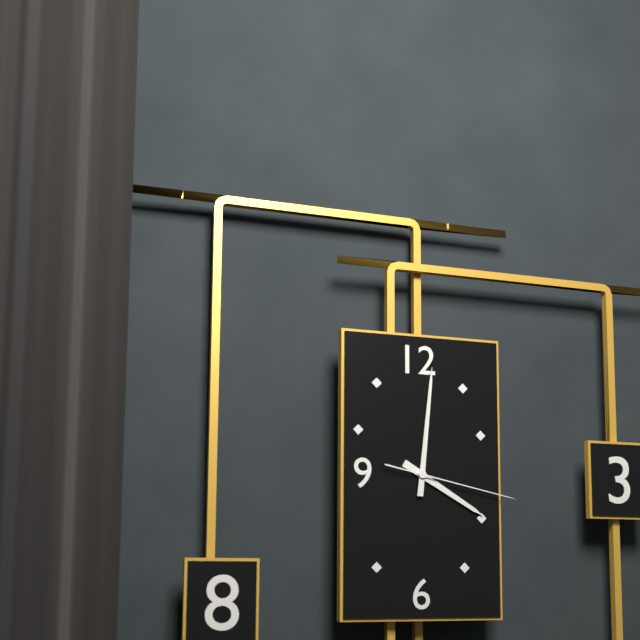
h=4 m=1 s=17
